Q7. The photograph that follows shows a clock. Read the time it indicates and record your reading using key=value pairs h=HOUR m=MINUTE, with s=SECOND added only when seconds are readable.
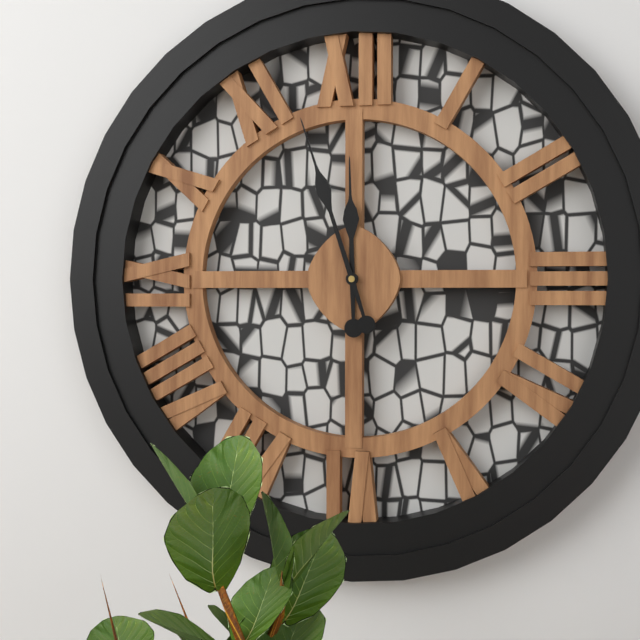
h=11 m=57
